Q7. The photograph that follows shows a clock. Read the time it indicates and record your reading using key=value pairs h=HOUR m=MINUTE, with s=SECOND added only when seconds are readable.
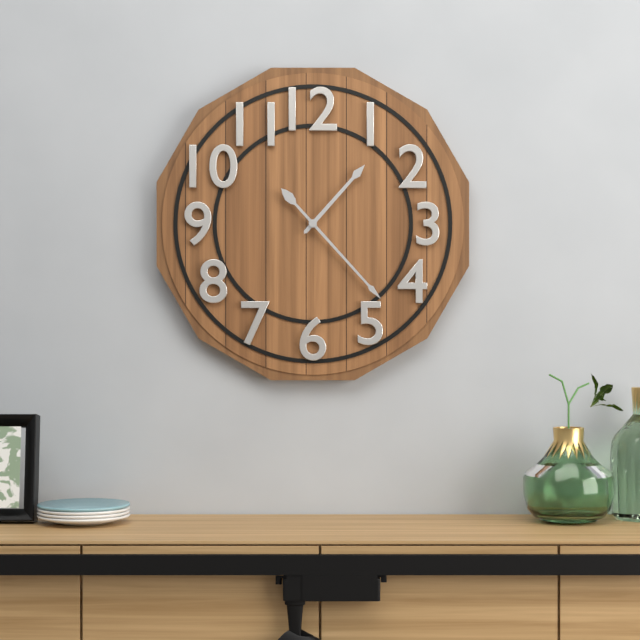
h=1 m=23
